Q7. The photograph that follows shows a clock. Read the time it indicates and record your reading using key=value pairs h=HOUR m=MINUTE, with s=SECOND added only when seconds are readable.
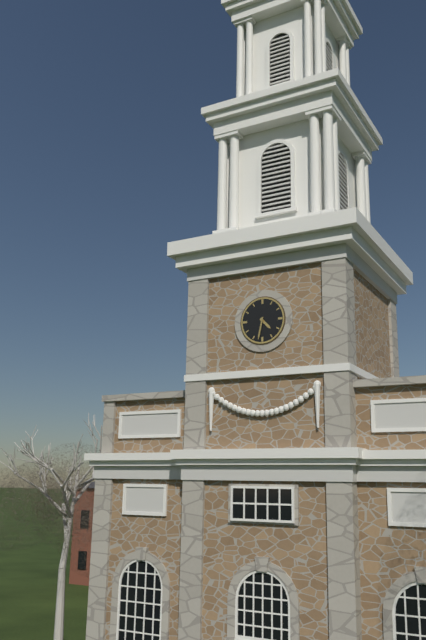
h=4 m=32
